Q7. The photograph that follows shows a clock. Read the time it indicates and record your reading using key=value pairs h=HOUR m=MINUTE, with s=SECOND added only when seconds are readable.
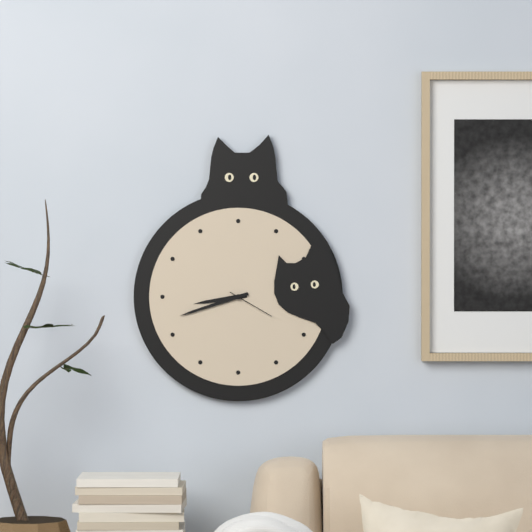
h=8 m=42
